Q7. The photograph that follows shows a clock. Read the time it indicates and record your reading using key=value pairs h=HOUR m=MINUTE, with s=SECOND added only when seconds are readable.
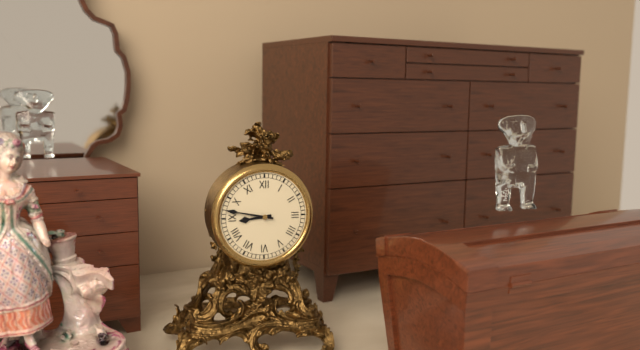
h=8 m=47
